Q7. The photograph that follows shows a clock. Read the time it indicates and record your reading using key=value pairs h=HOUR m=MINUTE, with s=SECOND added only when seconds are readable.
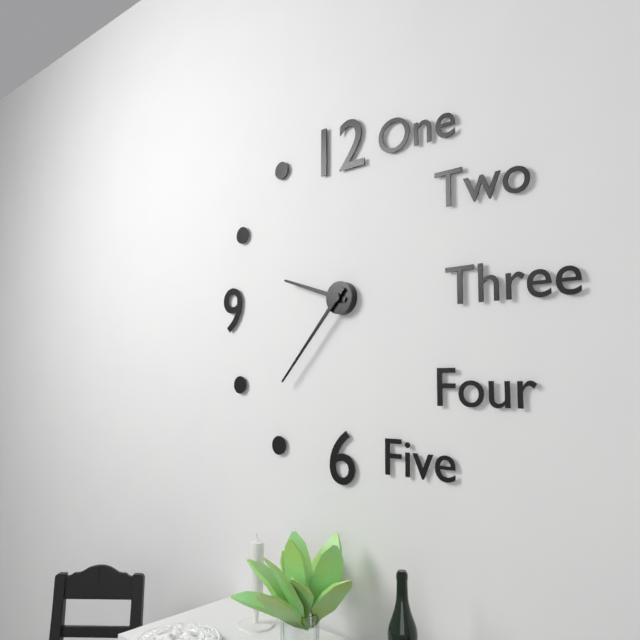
h=9 m=37
